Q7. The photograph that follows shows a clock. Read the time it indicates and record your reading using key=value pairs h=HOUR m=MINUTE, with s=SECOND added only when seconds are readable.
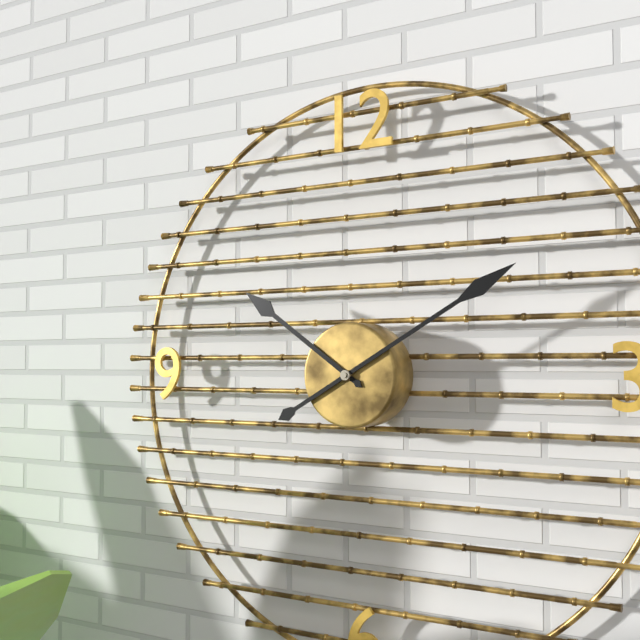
h=10 m=10
